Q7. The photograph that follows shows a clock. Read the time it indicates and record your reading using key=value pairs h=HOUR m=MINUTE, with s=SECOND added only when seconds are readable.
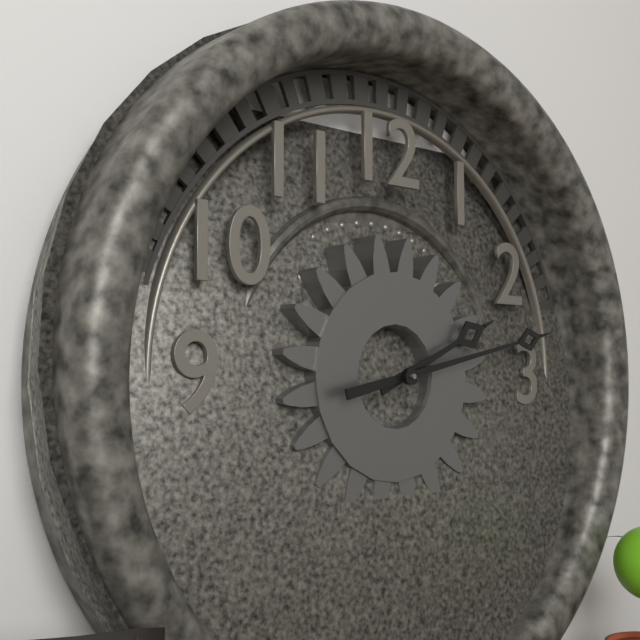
h=2 m=13
